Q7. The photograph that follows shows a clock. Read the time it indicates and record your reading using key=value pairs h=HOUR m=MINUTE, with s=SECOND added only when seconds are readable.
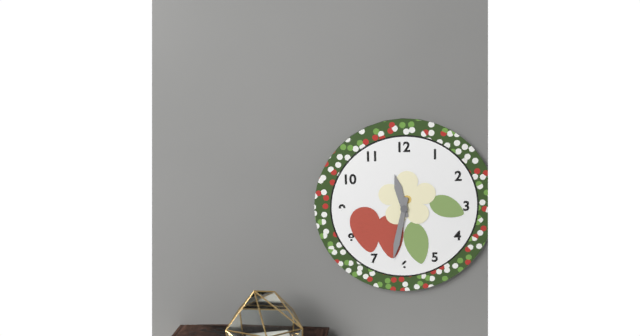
h=11 m=32
